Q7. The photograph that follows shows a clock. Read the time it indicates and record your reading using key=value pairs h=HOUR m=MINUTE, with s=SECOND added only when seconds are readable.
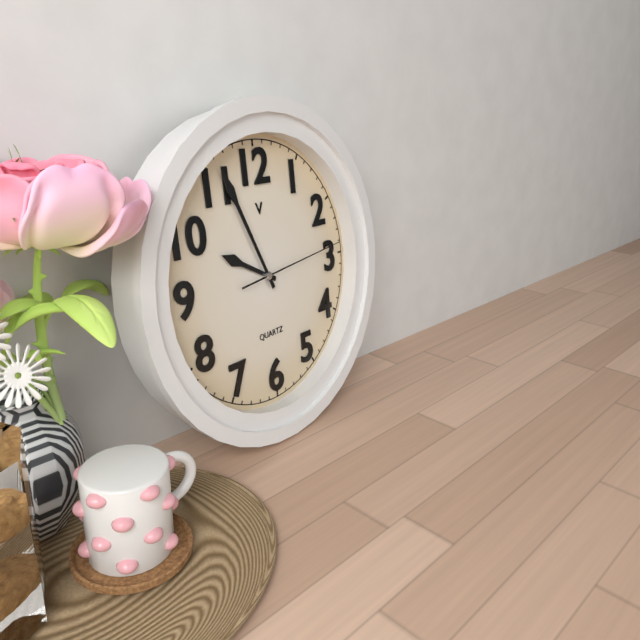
h=9 m=56 s=14
